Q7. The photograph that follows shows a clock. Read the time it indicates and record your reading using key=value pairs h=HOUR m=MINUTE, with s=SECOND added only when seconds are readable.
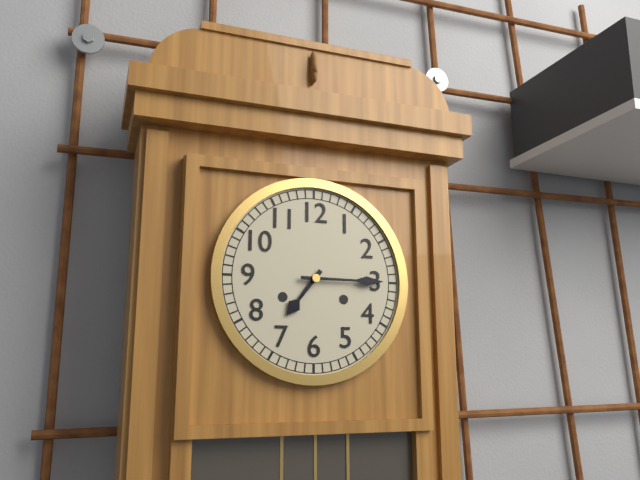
h=7 m=15
